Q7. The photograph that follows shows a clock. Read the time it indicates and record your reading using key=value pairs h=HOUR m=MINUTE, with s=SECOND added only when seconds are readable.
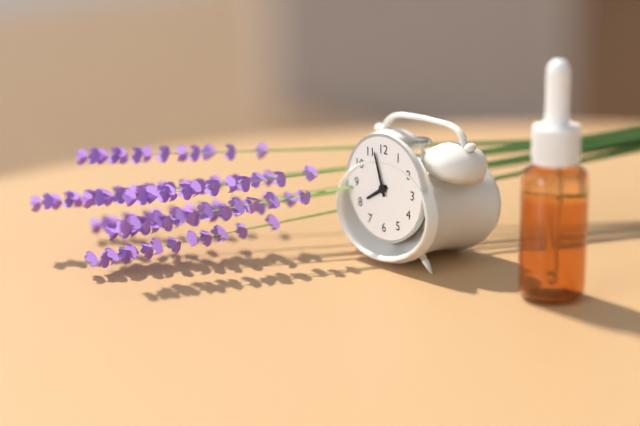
h=7 m=57
